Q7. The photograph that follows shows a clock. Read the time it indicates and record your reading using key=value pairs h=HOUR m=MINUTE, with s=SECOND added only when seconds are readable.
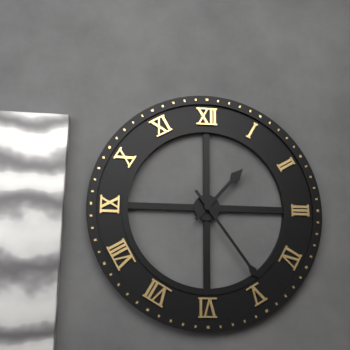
h=1 m=24
